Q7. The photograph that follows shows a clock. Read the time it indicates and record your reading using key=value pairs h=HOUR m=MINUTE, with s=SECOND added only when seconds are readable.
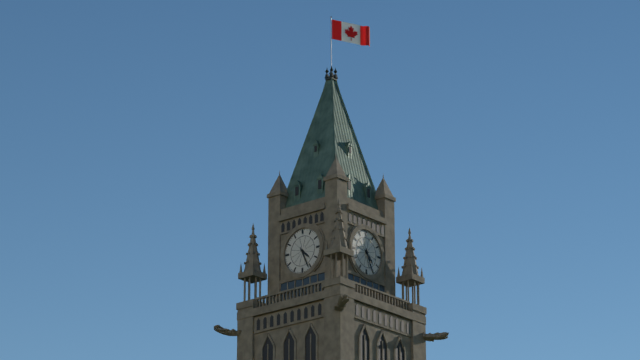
h=4 m=26
